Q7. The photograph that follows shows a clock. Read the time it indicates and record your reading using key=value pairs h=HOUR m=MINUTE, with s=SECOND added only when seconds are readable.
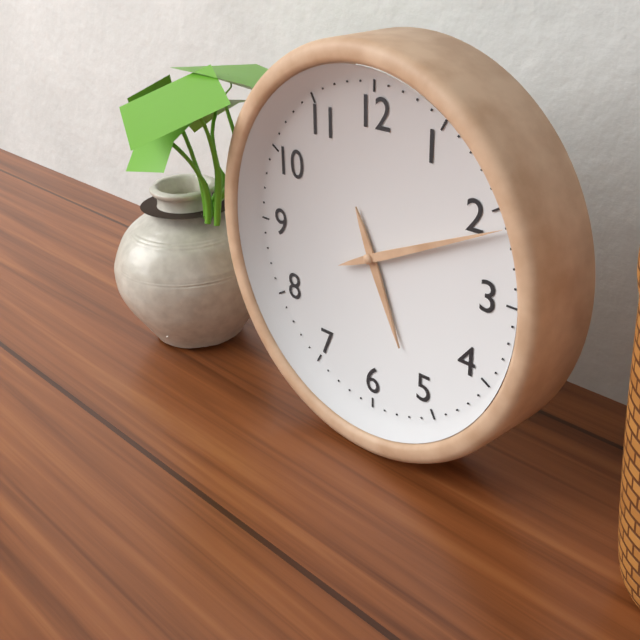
h=5 m=11
